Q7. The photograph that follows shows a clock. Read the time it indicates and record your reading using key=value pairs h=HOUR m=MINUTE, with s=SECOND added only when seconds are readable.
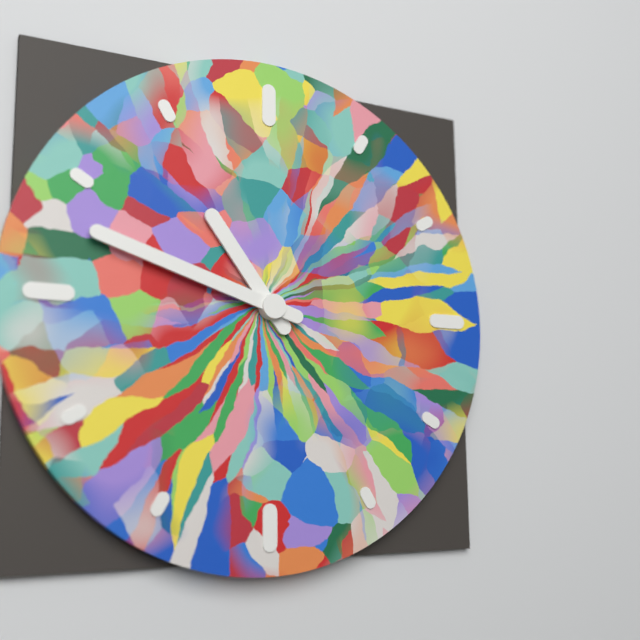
h=10 m=48
